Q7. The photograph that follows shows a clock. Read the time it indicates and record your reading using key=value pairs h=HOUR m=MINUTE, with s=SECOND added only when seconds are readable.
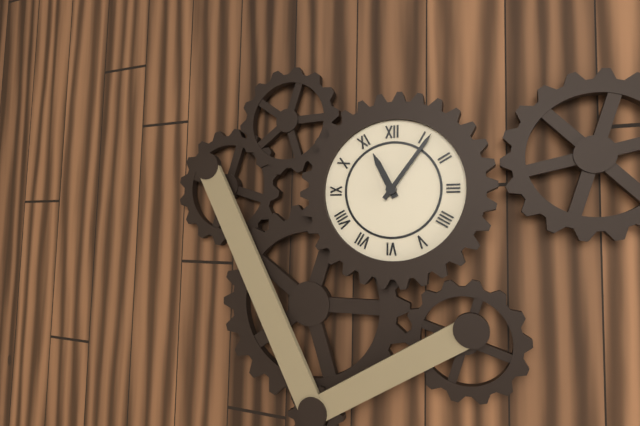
h=11 m=6
